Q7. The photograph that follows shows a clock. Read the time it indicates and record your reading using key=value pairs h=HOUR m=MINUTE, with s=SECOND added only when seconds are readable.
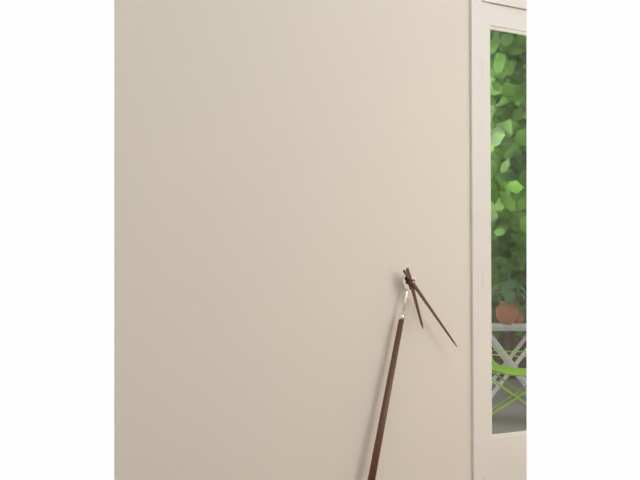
h=5 m=23
